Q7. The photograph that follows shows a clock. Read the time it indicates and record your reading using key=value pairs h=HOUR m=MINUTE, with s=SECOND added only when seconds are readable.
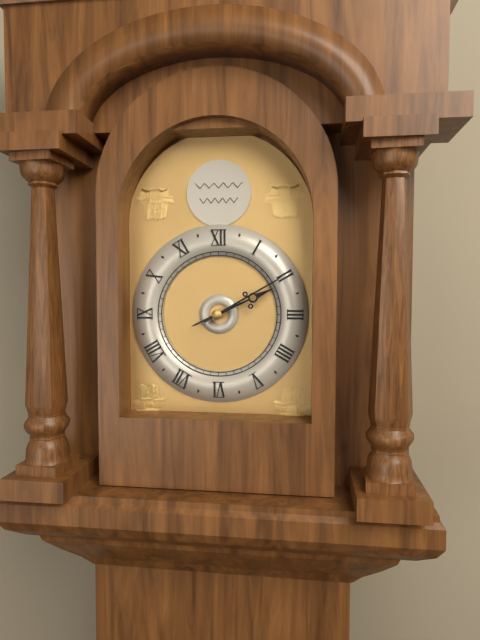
h=2 m=10
